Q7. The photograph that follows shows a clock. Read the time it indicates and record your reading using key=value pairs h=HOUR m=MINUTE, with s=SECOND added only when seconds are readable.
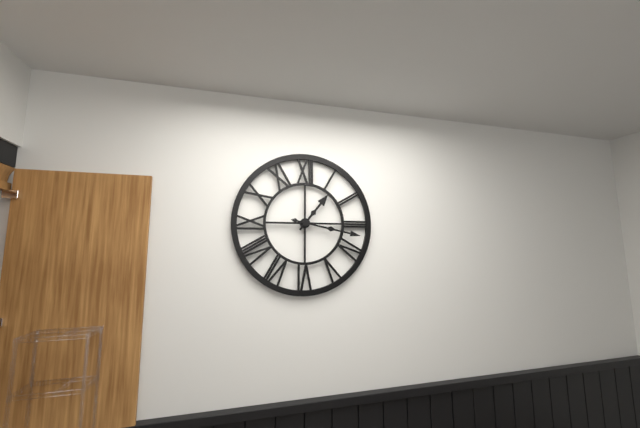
h=1 m=17
